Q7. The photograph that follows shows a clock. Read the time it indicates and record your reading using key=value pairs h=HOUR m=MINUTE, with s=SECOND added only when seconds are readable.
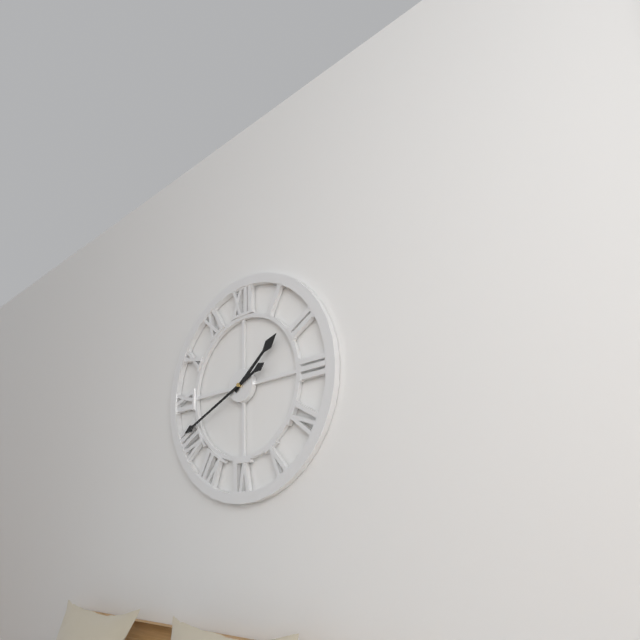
h=1 m=41
